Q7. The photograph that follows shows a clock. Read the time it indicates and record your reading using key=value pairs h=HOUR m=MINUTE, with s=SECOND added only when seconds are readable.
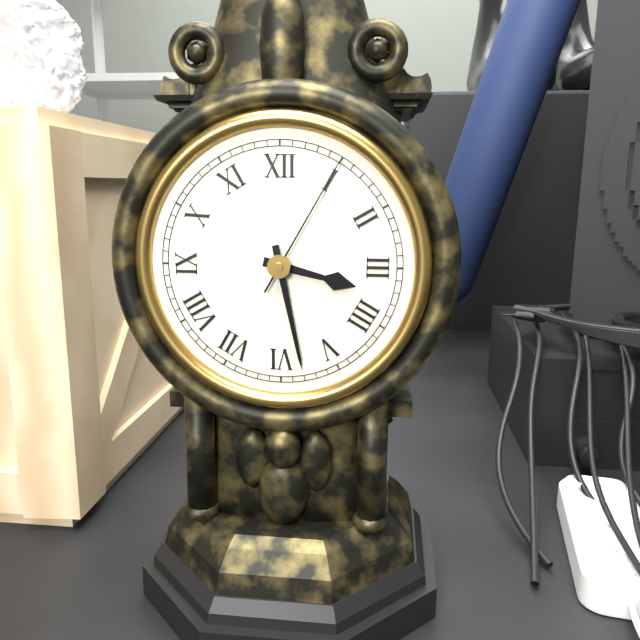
h=3 m=28 s=5
